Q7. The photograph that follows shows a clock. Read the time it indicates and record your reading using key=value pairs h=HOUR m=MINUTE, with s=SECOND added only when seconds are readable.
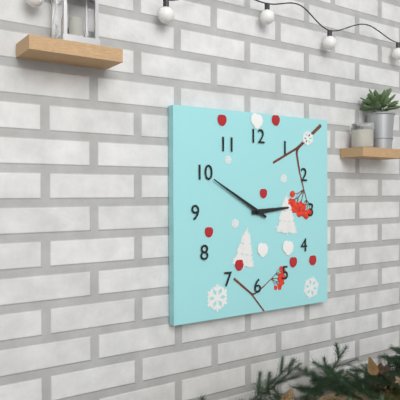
h=2 m=50
